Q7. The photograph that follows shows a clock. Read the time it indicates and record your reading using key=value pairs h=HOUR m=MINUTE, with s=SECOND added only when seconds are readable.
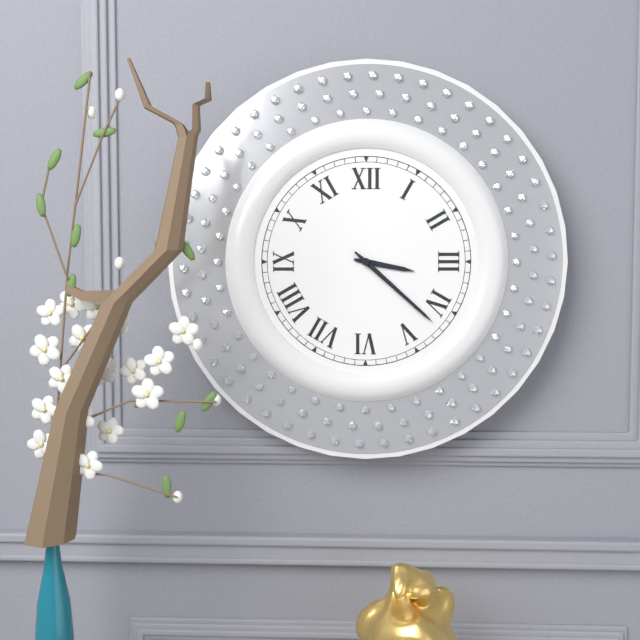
h=3 m=22
